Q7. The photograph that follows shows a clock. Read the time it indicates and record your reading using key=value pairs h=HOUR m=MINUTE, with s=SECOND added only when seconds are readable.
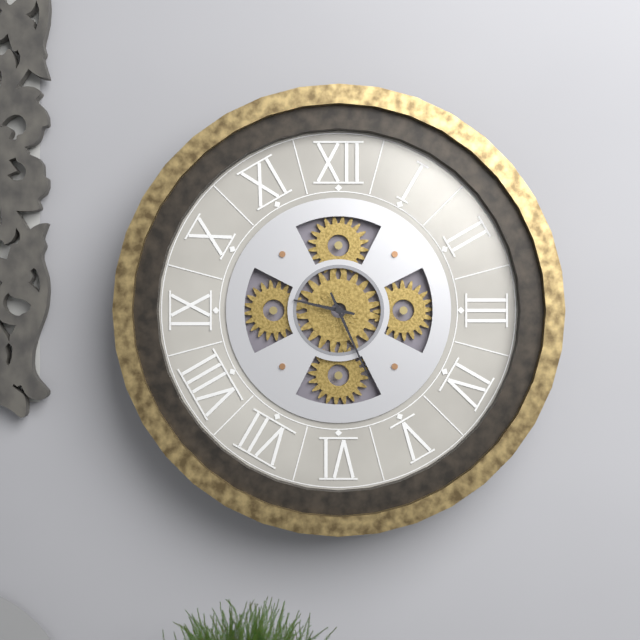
h=9 m=26
